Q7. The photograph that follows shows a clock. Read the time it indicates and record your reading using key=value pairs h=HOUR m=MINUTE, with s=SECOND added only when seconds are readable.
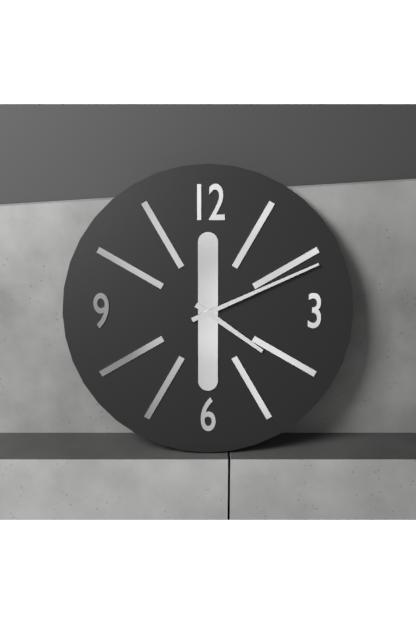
h=4 m=11
